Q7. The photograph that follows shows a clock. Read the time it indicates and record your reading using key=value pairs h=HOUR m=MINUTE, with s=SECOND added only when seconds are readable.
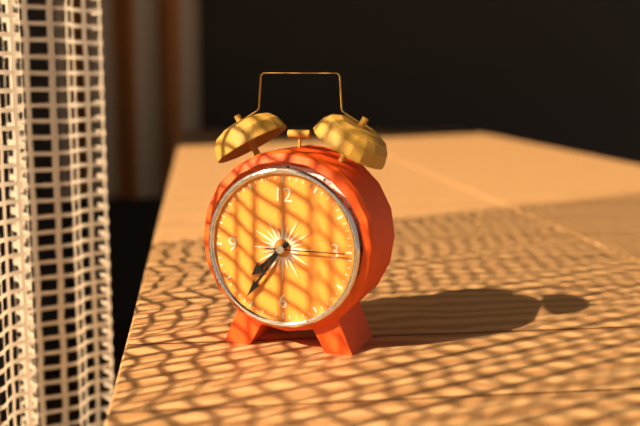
h=7 m=36 s=15
